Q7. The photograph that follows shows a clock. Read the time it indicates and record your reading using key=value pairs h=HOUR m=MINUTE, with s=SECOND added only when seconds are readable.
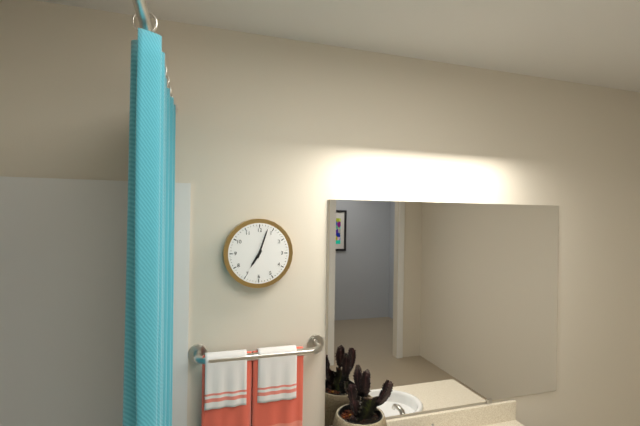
h=7 m=3
